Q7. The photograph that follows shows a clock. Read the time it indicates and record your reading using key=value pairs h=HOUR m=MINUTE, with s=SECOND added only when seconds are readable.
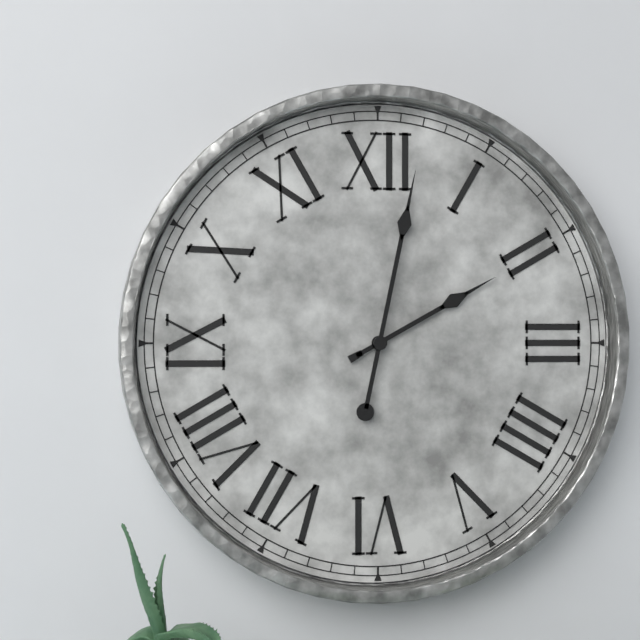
h=2 m=2
